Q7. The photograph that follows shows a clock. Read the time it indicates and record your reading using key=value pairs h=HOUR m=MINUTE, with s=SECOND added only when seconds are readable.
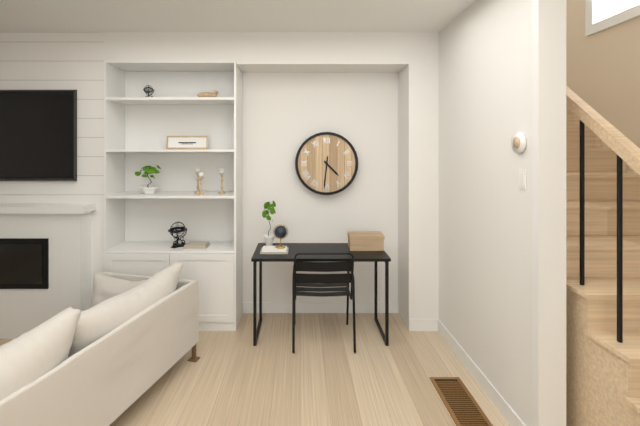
h=4 m=31
